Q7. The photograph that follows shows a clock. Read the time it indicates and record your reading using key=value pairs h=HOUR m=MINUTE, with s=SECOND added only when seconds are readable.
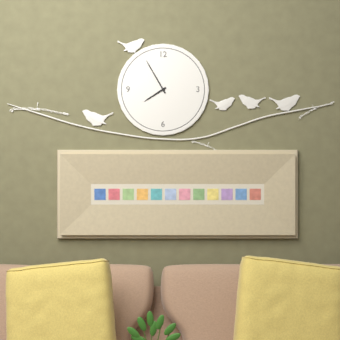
h=7 m=55
